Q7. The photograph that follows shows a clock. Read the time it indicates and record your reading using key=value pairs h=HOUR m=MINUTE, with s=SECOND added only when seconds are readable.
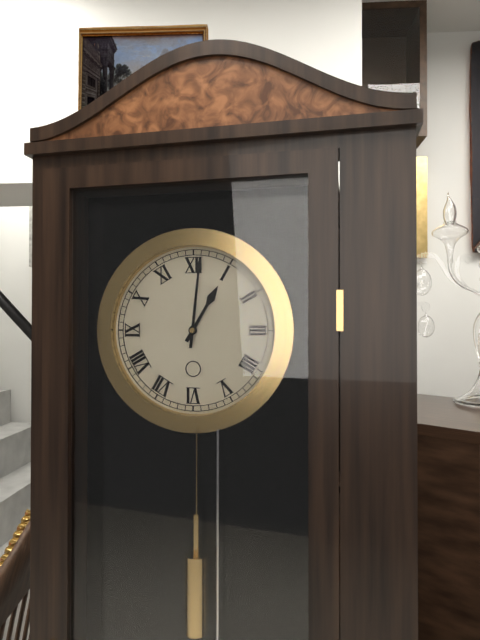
h=1 m=1
